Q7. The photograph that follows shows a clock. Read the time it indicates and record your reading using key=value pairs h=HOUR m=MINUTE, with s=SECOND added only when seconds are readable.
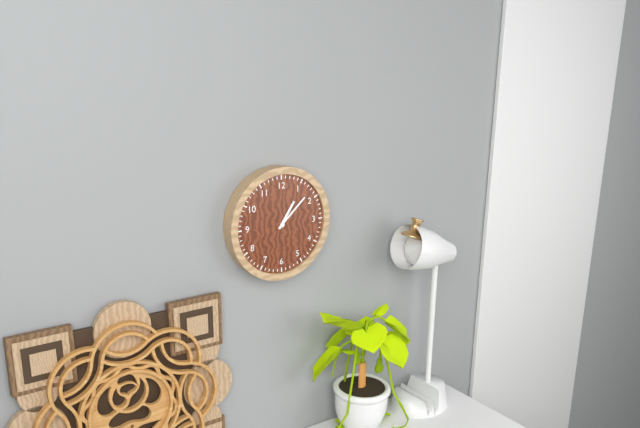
h=1 m=8
